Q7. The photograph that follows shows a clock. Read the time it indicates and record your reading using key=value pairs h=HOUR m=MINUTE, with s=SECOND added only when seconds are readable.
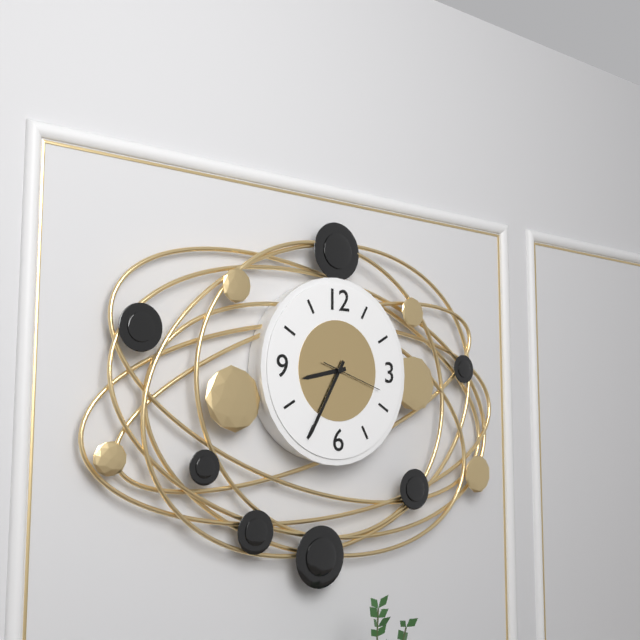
h=8 m=35 s=18
